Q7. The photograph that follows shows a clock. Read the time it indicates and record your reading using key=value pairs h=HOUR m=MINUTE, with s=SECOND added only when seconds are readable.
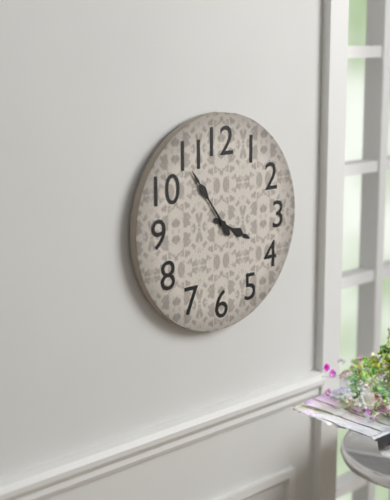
h=3 m=54
